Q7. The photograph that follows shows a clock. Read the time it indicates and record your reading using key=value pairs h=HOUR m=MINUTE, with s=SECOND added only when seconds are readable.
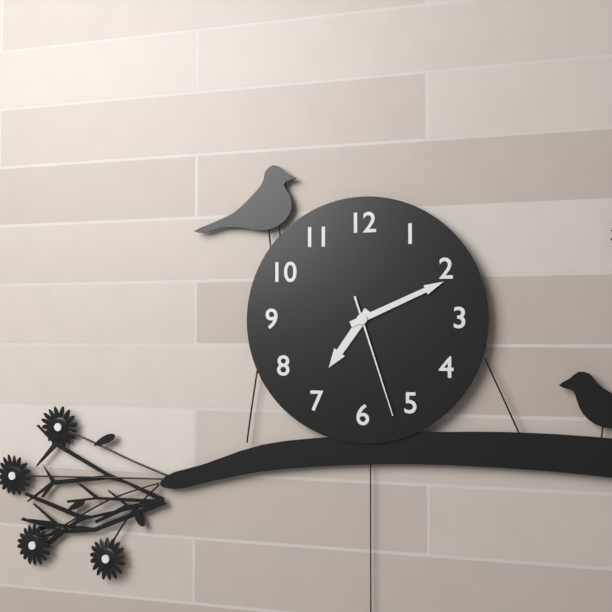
h=7 m=11 s=27
